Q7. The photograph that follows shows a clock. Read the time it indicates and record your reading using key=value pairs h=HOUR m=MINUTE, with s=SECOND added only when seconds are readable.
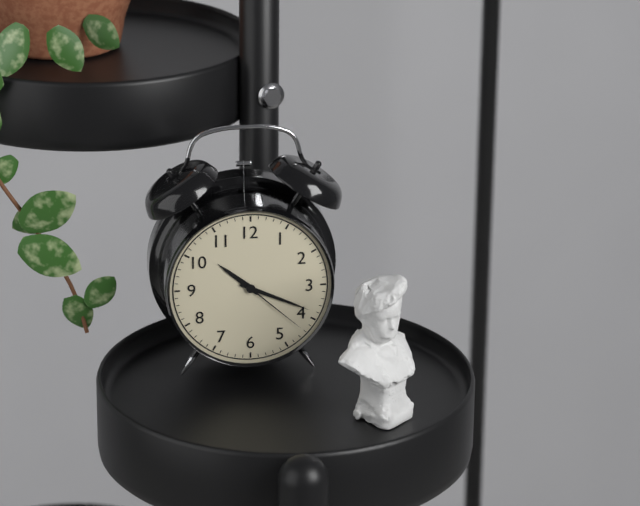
h=10 m=19 s=22
